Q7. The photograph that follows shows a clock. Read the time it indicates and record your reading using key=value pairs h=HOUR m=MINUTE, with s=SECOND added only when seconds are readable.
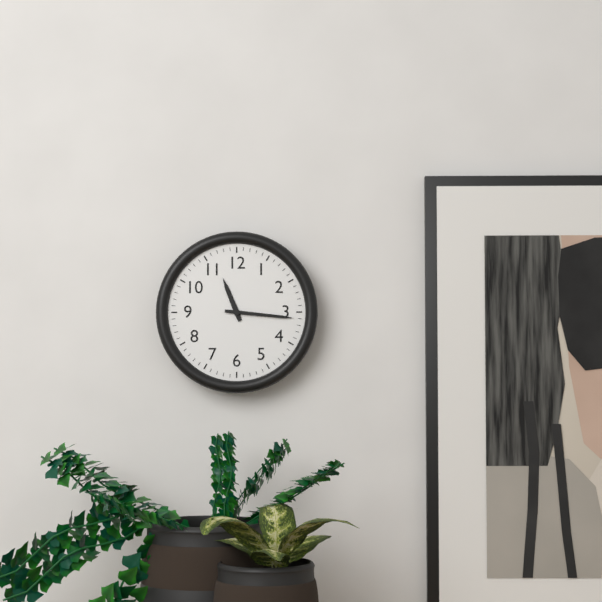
h=11 m=16
